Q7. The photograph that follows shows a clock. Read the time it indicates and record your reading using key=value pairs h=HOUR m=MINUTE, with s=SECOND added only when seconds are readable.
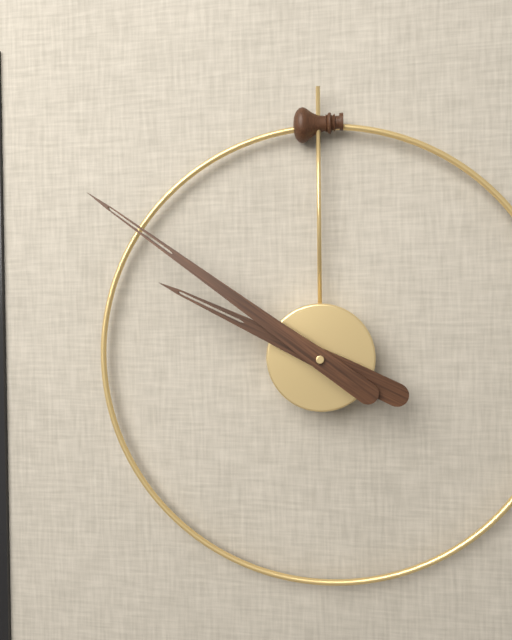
h=9 m=51
